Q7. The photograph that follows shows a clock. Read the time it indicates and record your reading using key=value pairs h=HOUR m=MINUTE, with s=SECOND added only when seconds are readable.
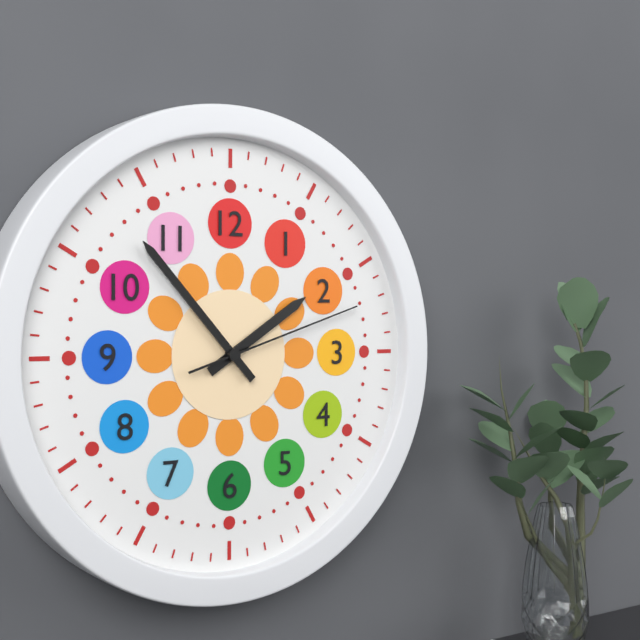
h=1 m=53 s=12
